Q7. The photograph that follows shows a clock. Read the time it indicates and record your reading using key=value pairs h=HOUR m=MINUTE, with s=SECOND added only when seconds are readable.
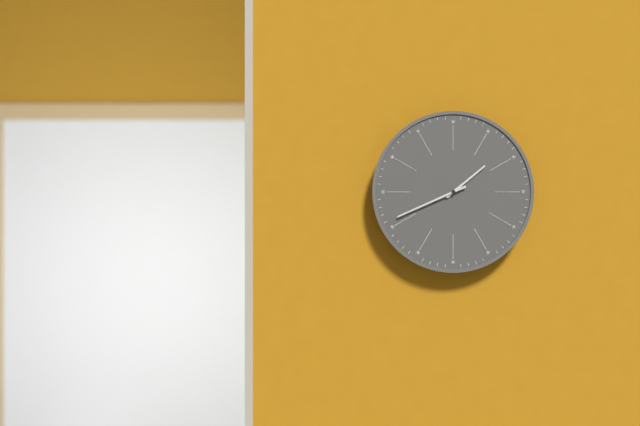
h=1 m=41
